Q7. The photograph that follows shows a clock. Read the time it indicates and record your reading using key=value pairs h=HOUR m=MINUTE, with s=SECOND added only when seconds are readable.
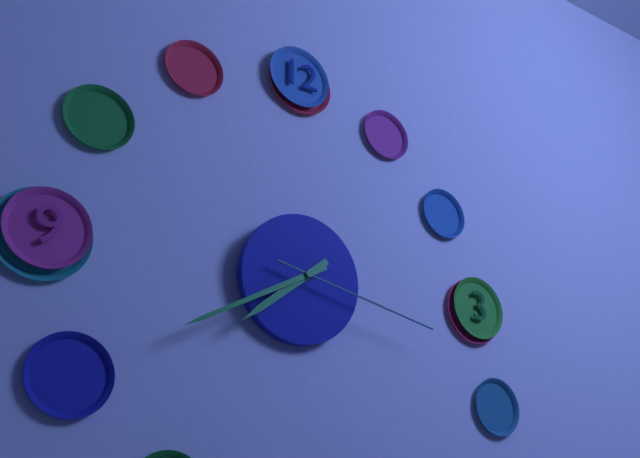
h=7 m=40 s=17
